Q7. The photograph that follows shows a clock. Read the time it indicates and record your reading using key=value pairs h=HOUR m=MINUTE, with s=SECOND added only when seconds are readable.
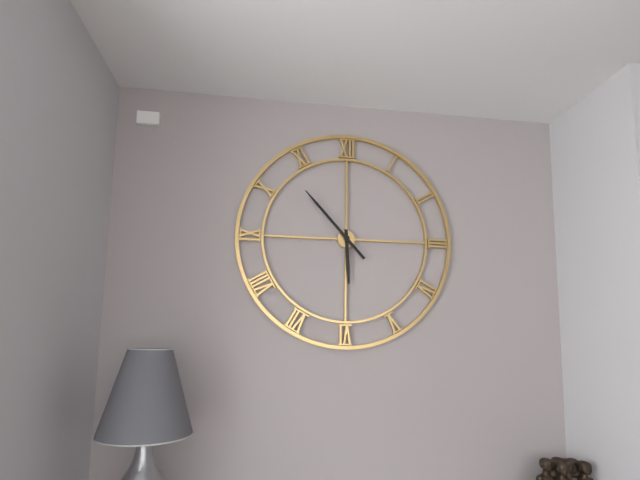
h=5 m=53
